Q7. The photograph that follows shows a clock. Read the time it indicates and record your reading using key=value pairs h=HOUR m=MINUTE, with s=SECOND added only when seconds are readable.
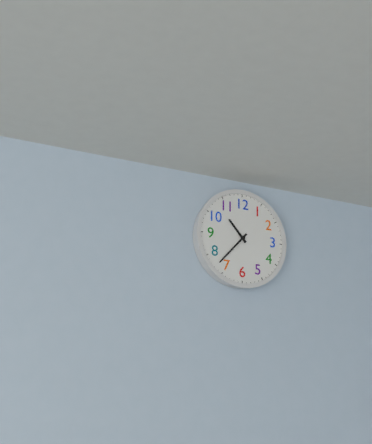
h=10 m=37
